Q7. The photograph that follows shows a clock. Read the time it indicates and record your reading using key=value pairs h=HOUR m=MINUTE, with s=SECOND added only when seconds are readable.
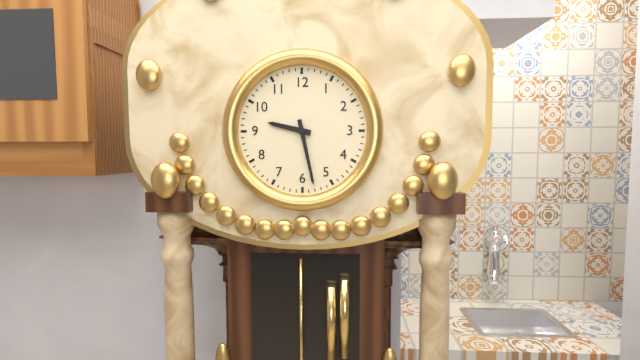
h=9 m=28
